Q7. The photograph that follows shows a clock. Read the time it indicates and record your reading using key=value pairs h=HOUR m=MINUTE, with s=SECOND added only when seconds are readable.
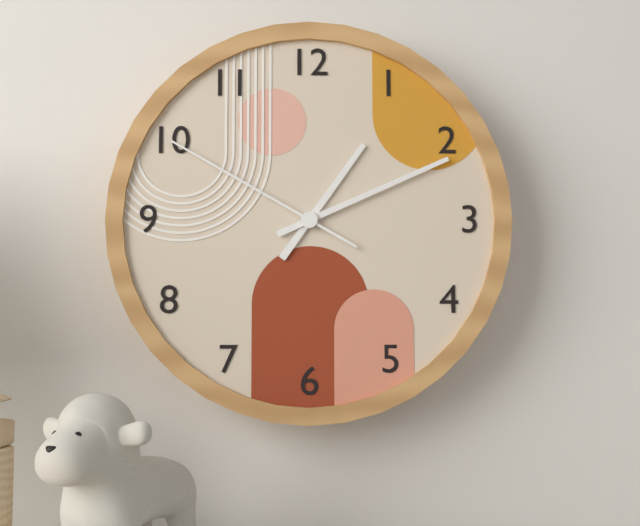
h=1 m=11 s=50
